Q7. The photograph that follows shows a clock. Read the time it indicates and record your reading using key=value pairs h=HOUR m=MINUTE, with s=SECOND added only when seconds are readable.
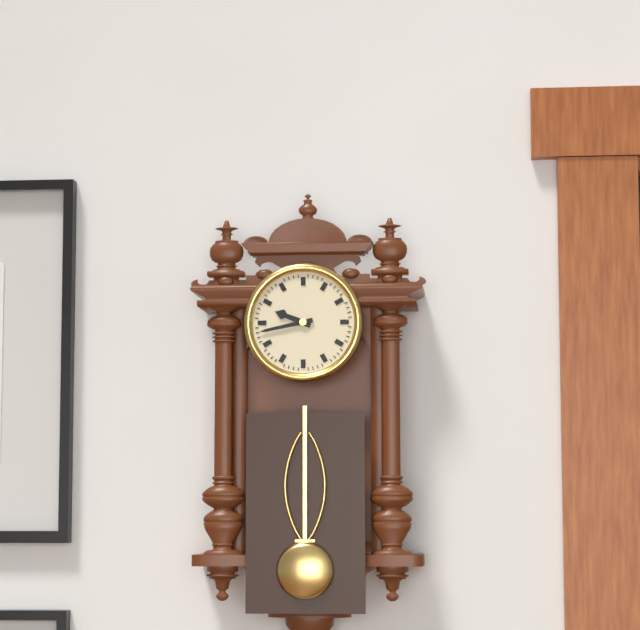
h=9 m=43
